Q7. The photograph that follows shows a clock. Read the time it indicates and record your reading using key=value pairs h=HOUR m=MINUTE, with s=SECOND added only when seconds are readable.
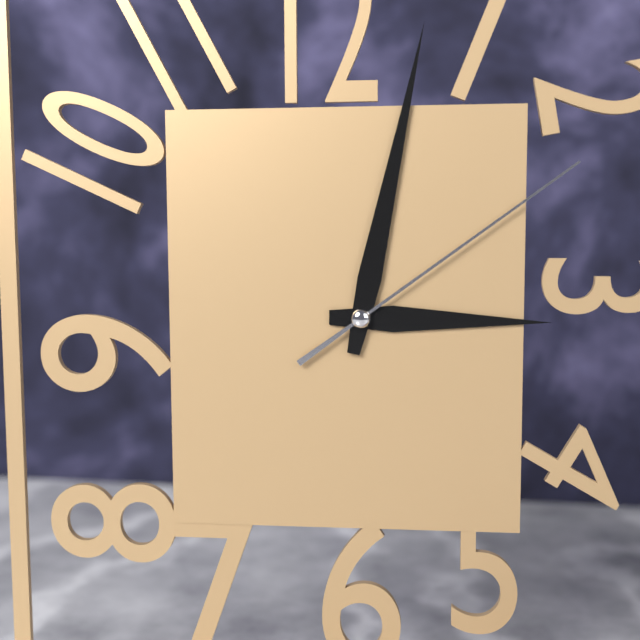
h=3 m=2 s=9
